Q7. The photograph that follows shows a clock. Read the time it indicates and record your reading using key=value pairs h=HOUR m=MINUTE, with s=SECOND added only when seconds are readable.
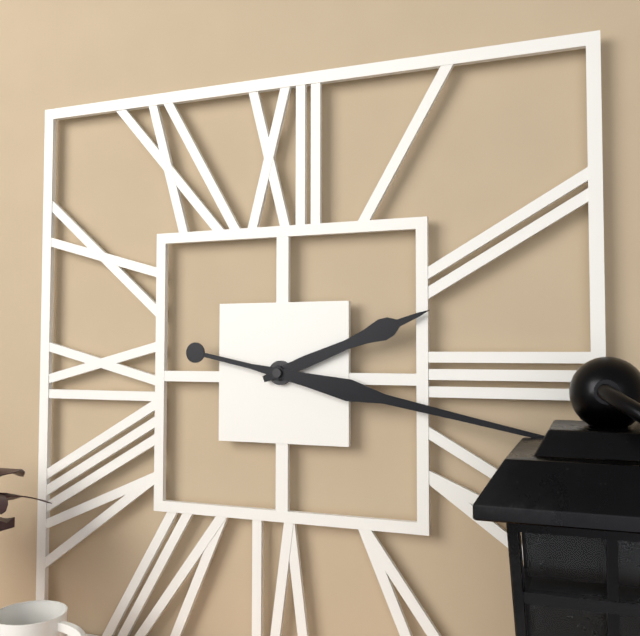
h=2 m=17
